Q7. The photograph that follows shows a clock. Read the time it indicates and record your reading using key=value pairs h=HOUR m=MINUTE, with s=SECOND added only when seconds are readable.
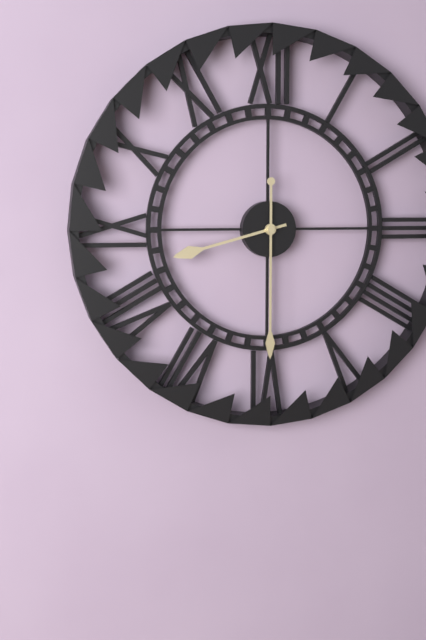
h=8 m=30
